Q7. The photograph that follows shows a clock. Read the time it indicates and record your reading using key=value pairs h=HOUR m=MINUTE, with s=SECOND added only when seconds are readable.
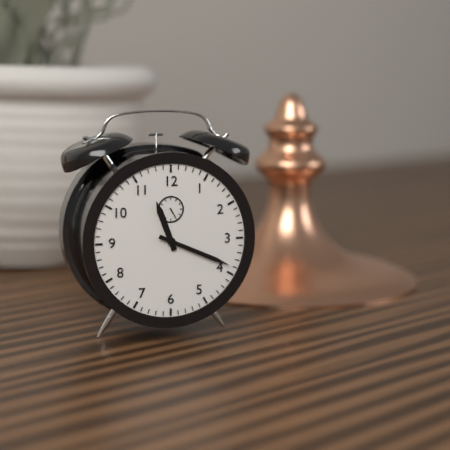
h=11 m=19
